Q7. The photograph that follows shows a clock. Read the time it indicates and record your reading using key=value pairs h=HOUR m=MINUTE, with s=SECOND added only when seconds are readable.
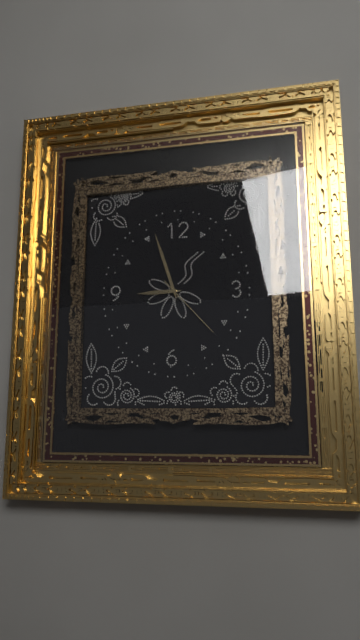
h=8 m=57 s=23
